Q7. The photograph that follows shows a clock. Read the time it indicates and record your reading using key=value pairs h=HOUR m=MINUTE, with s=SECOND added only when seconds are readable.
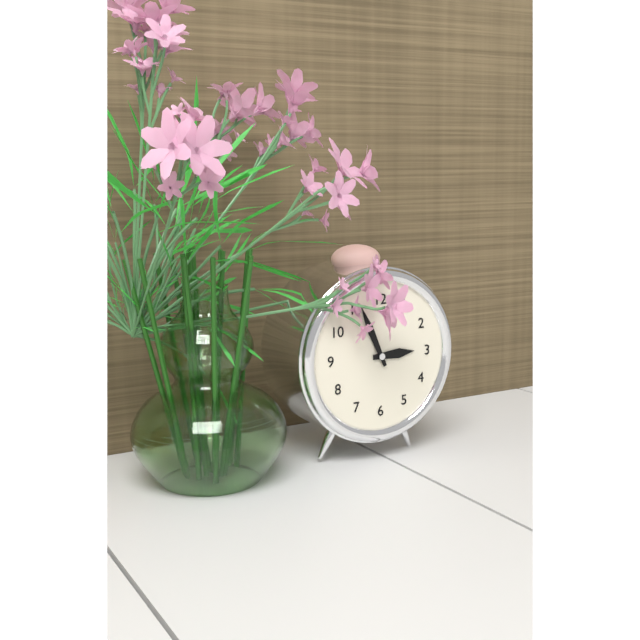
h=2 m=56
